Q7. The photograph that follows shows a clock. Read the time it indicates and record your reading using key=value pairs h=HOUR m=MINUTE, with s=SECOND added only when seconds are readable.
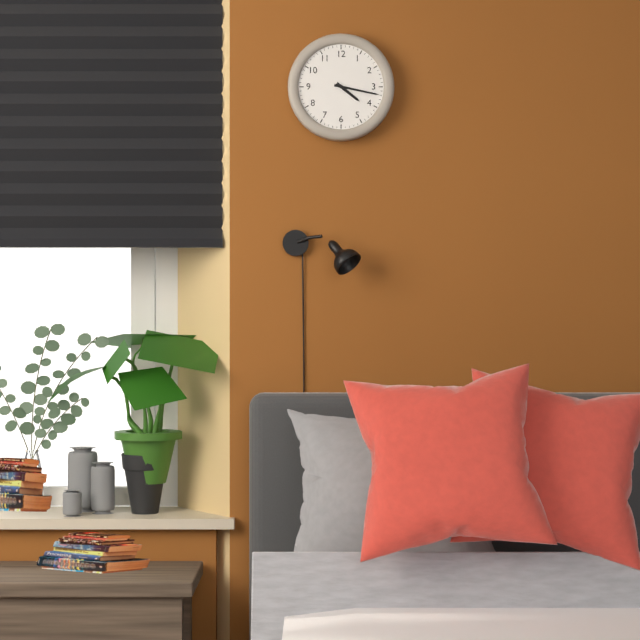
h=4 m=17
